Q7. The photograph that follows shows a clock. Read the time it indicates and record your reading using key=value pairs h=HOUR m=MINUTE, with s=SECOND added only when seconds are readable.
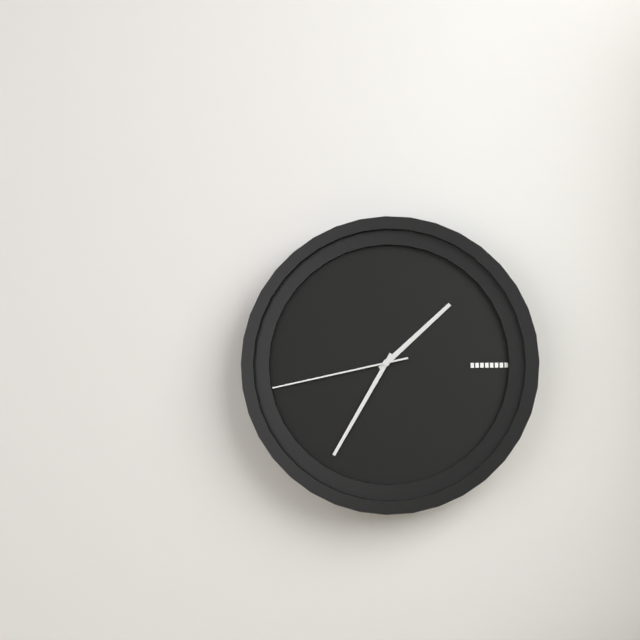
h=1 m=35 s=43
